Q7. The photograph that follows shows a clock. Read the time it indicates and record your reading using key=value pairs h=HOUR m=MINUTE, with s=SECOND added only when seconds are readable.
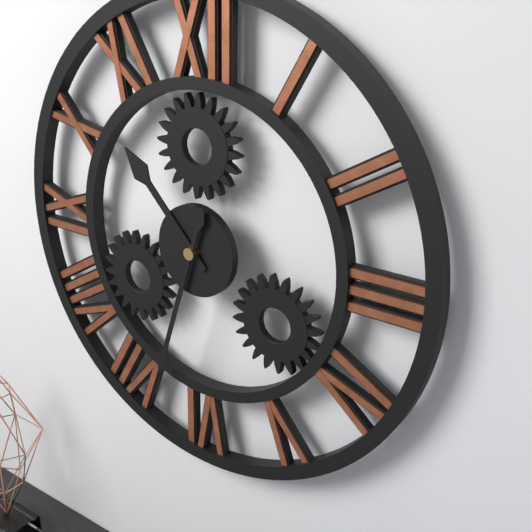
h=10 m=33
